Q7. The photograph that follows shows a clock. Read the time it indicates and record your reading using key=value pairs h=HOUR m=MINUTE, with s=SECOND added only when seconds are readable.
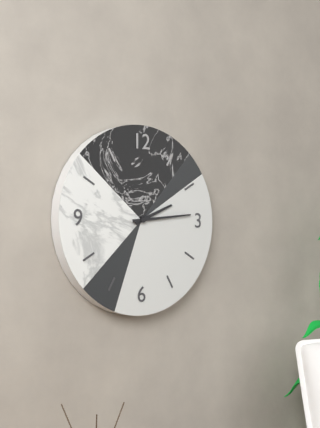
h=2 m=14
